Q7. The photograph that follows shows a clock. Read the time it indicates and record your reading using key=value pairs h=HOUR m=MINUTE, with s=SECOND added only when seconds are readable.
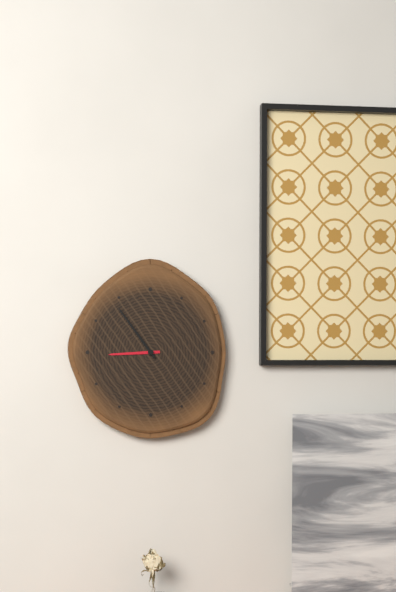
h=8 m=54
